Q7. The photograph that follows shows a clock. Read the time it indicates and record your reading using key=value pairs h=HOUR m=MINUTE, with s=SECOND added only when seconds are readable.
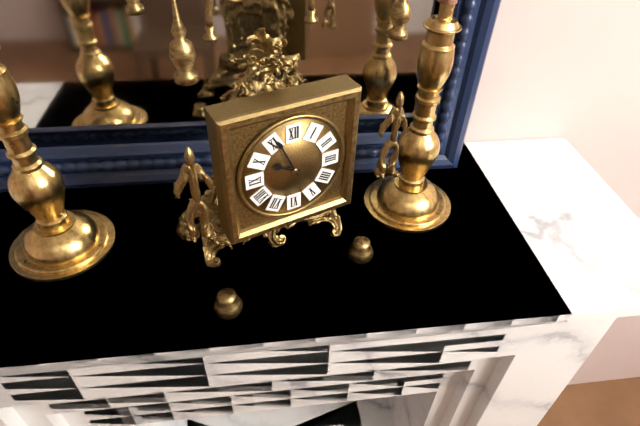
h=9 m=56
